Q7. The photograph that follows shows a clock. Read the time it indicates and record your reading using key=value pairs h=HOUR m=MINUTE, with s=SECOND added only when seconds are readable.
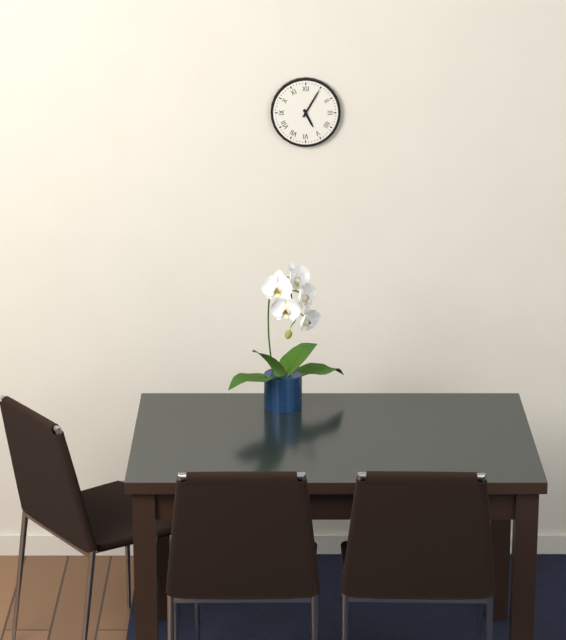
h=5 m=5
